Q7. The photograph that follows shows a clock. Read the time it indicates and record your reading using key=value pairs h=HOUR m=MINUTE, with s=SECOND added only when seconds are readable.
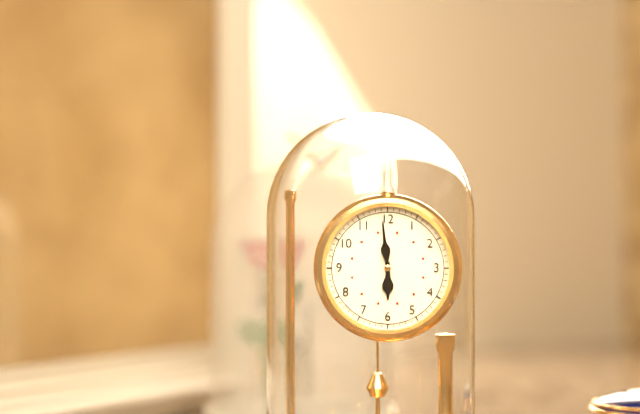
h=5 m=59
